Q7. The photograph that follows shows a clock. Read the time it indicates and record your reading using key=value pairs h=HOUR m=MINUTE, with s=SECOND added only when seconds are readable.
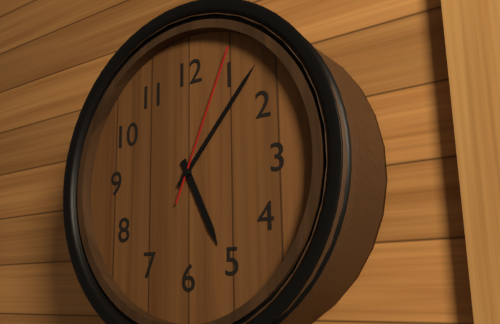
h=5 m=7 s=4
